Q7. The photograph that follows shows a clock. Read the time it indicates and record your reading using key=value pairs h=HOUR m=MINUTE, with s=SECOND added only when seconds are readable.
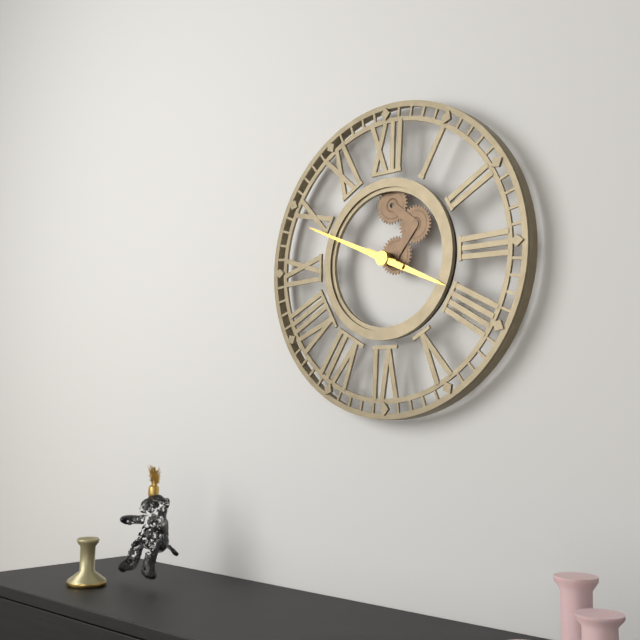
h=3 m=49
